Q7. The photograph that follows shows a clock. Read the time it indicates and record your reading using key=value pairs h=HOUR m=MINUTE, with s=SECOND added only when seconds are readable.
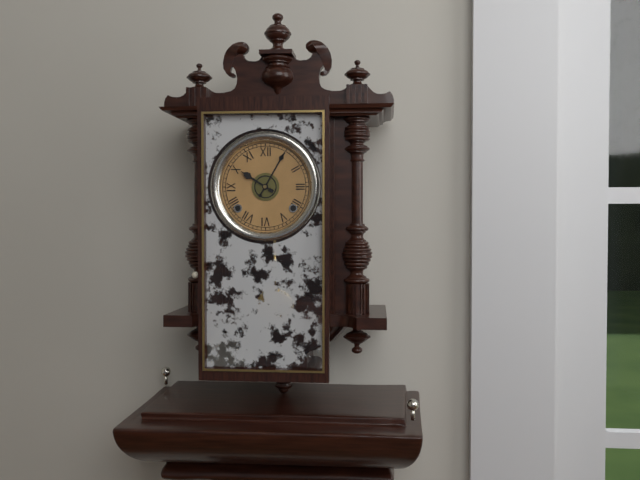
h=10 m=5
